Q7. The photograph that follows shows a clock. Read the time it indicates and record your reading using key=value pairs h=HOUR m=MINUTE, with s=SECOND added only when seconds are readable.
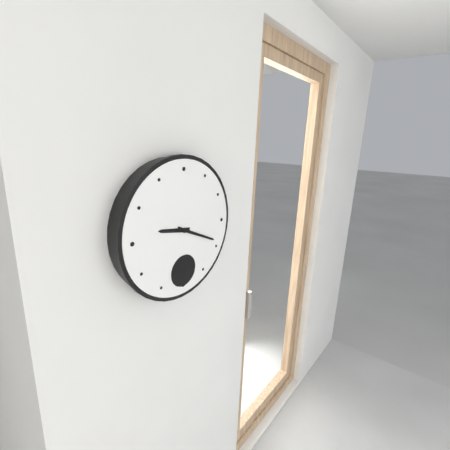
h=9 m=19
